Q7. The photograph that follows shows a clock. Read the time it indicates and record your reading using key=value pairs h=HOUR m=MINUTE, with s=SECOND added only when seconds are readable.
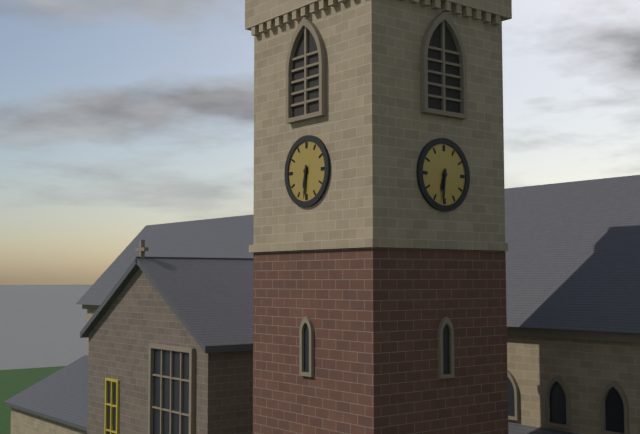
h=6 m=31
